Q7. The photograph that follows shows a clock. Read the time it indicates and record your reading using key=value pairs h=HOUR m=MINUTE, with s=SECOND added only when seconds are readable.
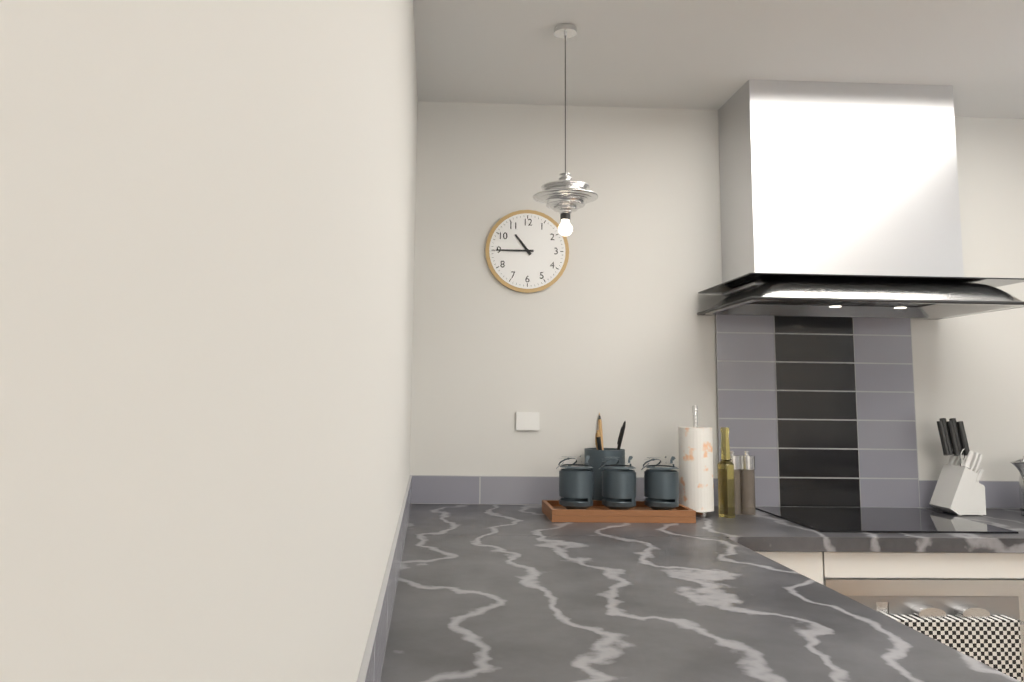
h=10 m=45
